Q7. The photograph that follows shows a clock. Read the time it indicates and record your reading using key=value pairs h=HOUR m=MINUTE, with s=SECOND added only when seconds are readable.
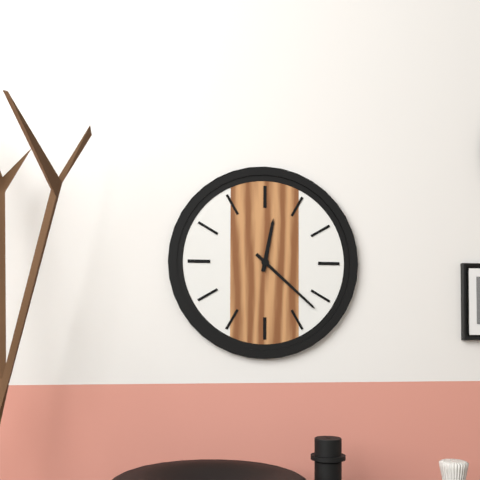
h=12 m=22
